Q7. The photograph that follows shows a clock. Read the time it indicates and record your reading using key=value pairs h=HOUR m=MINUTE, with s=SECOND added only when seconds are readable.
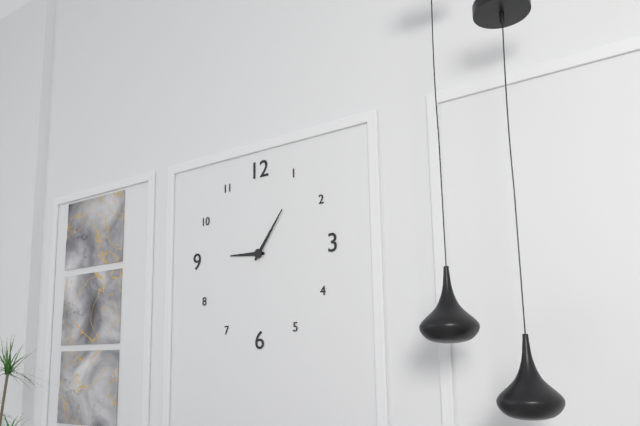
h=9 m=6
